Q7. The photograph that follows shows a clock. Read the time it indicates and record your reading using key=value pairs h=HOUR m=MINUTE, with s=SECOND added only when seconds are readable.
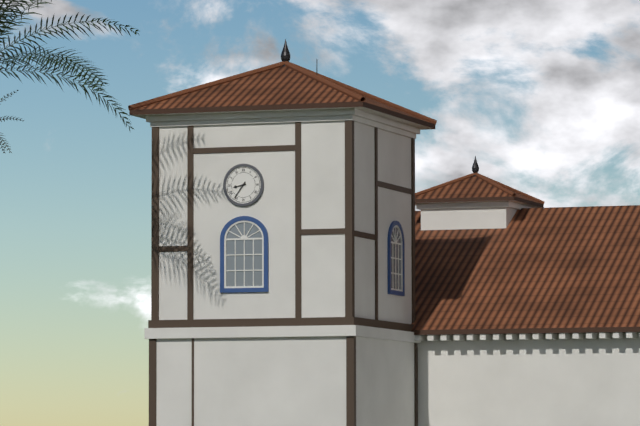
h=8 m=36
